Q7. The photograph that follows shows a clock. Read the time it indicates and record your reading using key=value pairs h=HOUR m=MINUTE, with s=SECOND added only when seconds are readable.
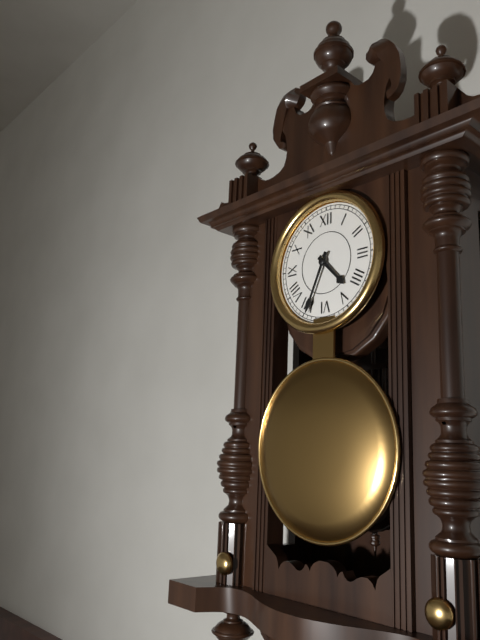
h=4 m=34
